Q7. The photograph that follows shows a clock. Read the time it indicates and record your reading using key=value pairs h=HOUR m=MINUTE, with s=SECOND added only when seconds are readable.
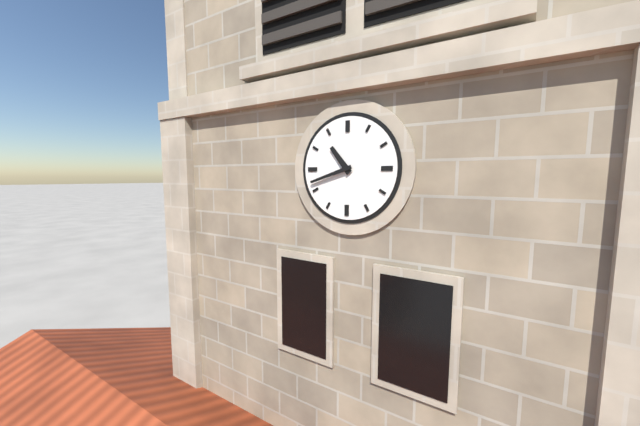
h=10 m=42
